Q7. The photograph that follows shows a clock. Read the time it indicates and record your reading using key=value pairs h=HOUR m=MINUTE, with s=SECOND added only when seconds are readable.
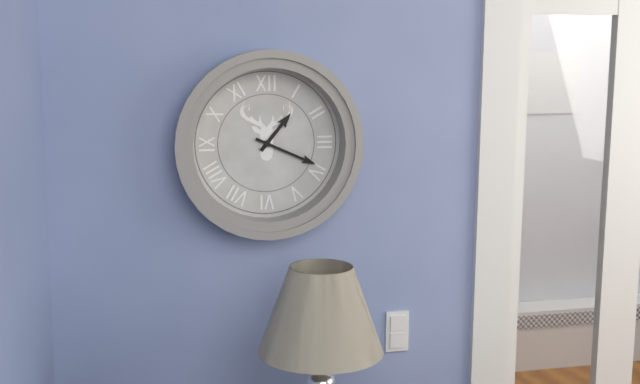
h=1 m=19
